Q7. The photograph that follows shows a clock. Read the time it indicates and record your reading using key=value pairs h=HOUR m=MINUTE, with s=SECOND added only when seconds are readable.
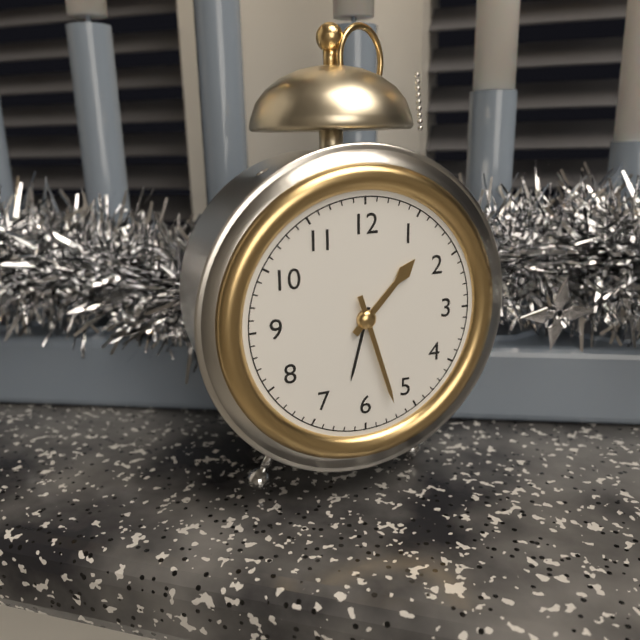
h=1 m=27
